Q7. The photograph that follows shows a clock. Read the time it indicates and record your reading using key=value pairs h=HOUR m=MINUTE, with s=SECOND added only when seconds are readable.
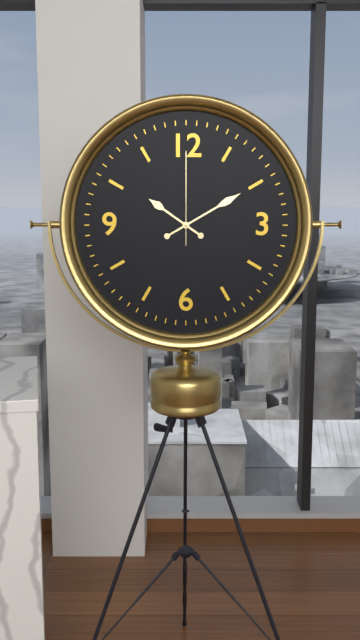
h=10 m=10 s=0
